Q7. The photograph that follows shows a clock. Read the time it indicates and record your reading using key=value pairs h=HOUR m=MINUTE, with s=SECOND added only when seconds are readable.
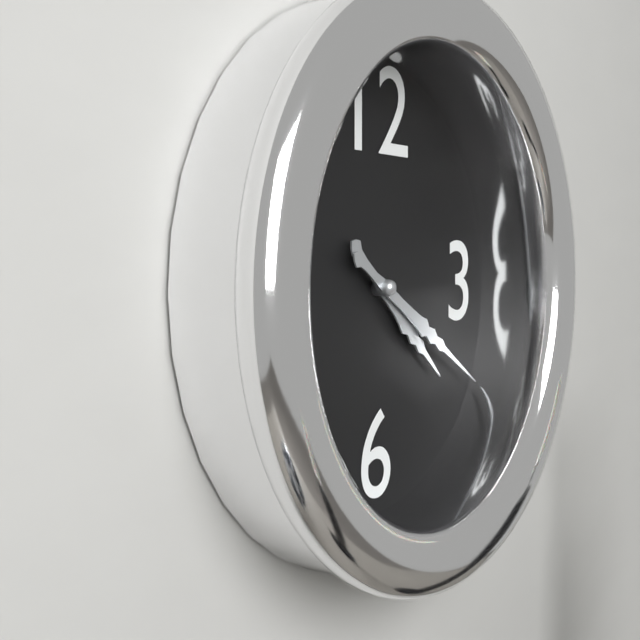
h=4 m=20
